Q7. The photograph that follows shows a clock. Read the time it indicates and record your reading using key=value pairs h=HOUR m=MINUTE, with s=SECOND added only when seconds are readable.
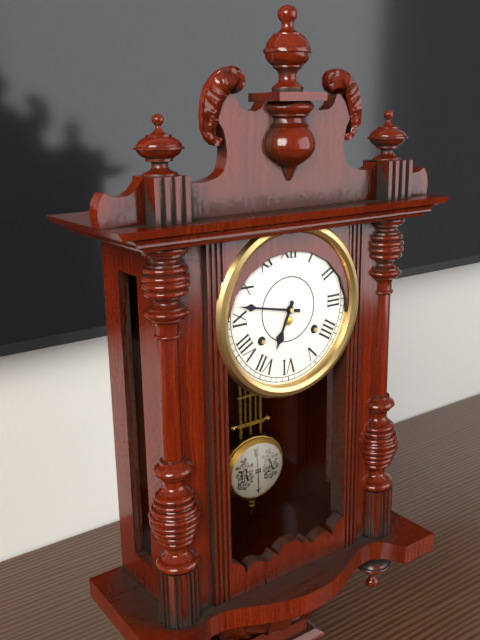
h=6 m=47
